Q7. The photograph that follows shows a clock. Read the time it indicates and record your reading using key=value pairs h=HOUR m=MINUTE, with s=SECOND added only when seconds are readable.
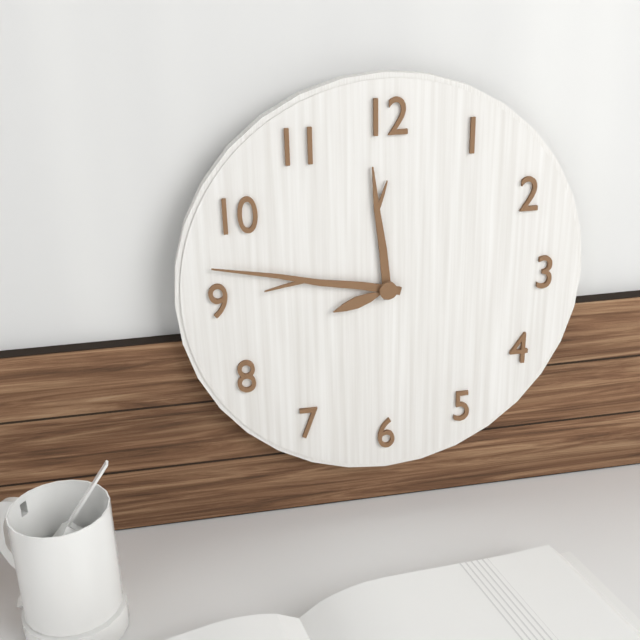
h=11 m=47 s=42
